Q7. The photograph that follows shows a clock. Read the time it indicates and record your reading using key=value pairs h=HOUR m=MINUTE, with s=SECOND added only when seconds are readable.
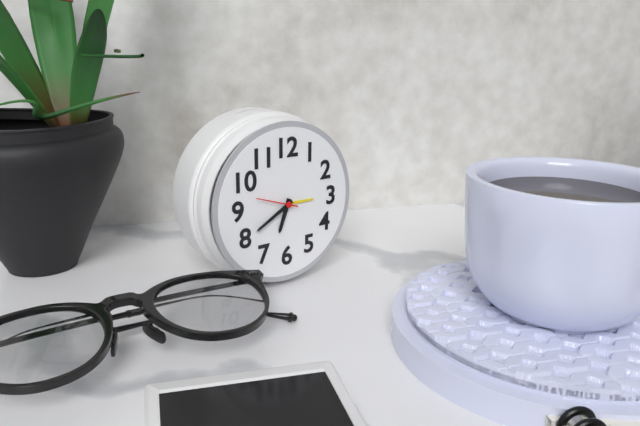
h=6 m=40
